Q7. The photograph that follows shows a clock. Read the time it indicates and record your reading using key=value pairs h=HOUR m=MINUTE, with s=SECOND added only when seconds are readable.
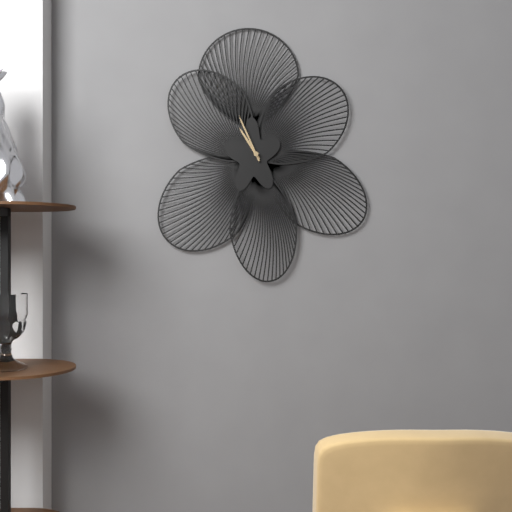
h=10 m=56
